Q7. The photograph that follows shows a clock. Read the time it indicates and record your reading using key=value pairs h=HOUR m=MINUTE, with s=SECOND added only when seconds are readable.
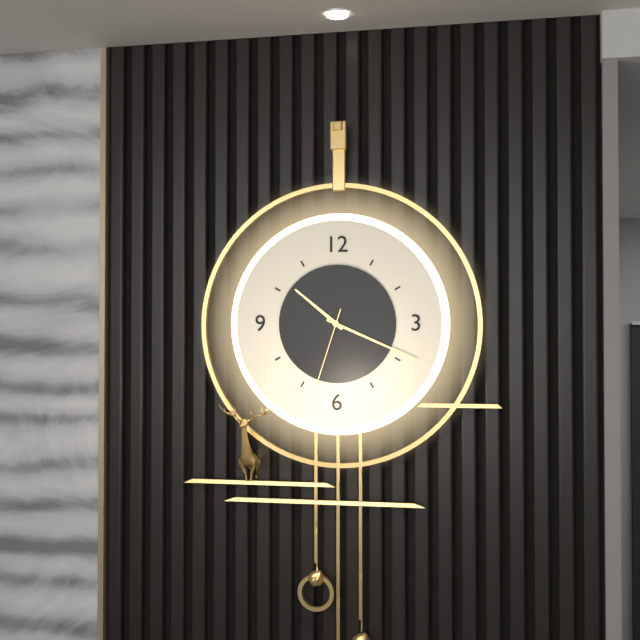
h=10 m=19 s=33
